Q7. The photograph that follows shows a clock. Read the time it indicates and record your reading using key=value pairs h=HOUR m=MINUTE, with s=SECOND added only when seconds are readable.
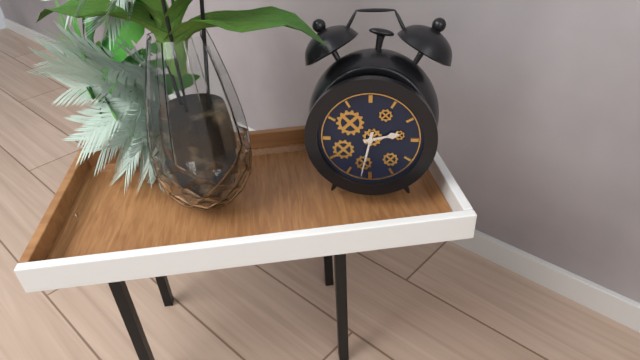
h=2 m=32
